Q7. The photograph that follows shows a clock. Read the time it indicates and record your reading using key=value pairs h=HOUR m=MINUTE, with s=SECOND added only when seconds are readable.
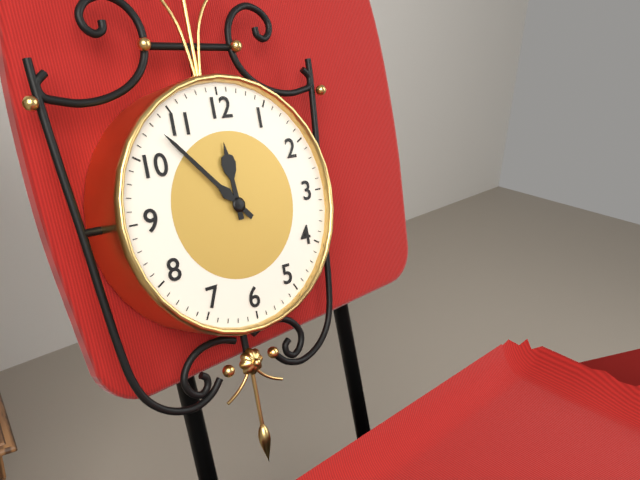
h=11 m=53
